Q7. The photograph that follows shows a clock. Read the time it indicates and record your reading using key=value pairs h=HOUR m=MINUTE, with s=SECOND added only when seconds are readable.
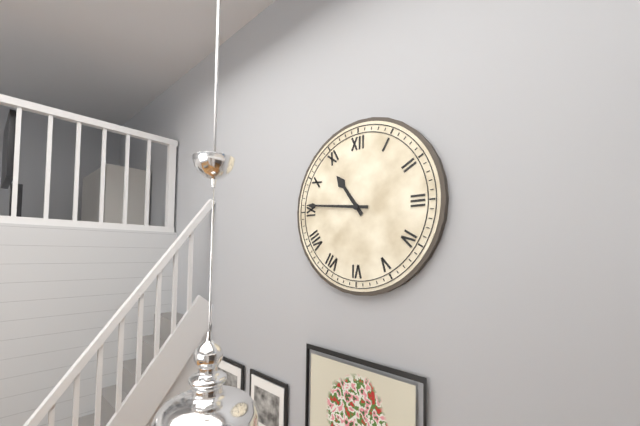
h=10 m=46
